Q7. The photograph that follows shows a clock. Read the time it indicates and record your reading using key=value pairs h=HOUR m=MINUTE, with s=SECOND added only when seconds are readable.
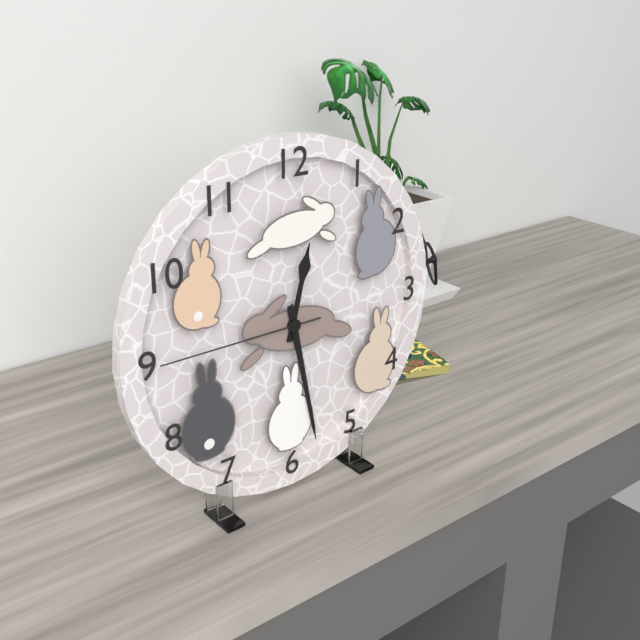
h=12 m=28 s=45
